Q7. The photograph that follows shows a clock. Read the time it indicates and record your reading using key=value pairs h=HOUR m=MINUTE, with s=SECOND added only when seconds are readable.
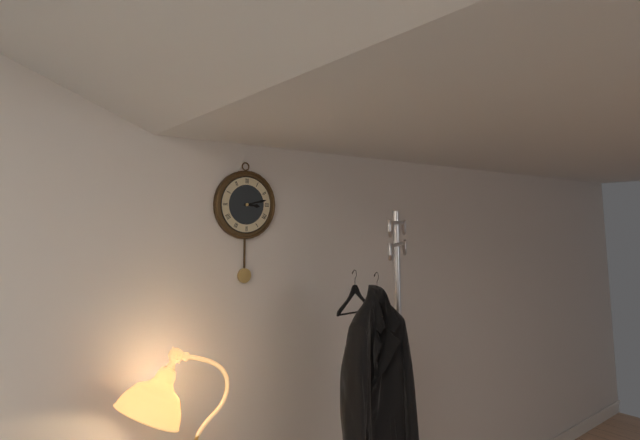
h=3 m=13
